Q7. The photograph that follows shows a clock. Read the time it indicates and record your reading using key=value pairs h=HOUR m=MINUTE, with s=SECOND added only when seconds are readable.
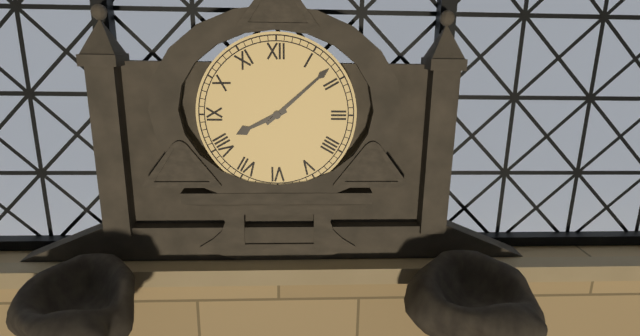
h=8 m=8
